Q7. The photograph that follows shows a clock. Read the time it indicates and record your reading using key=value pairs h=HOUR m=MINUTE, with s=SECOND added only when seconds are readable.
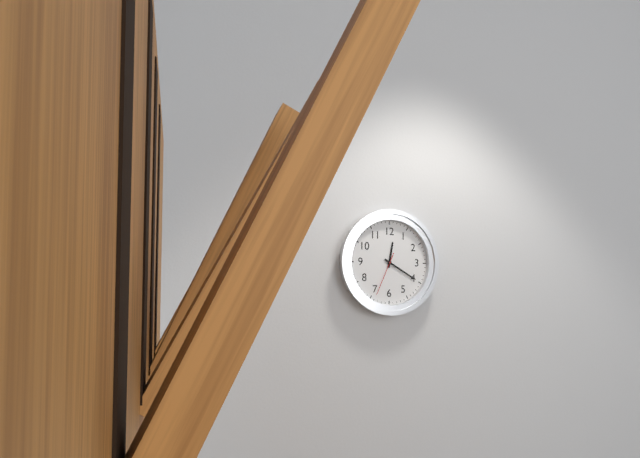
h=12 m=20
